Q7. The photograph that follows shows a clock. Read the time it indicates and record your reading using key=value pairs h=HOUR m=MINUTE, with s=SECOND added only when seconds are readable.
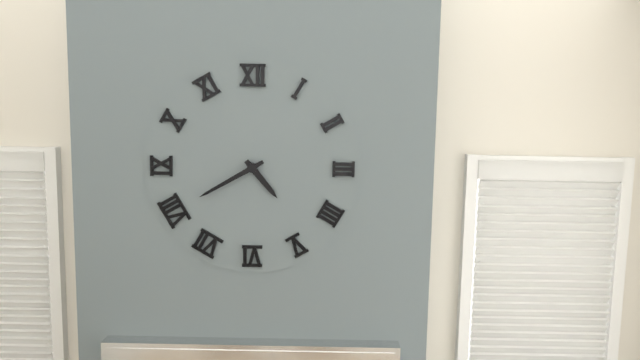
h=4 m=40
